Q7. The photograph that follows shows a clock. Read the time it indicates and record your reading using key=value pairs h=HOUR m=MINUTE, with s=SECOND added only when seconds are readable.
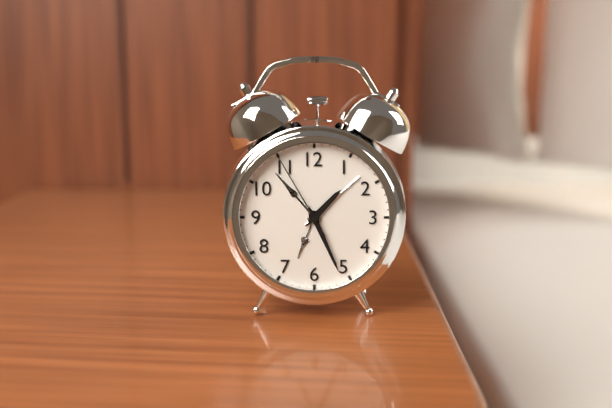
h=1 m=26 s=55
